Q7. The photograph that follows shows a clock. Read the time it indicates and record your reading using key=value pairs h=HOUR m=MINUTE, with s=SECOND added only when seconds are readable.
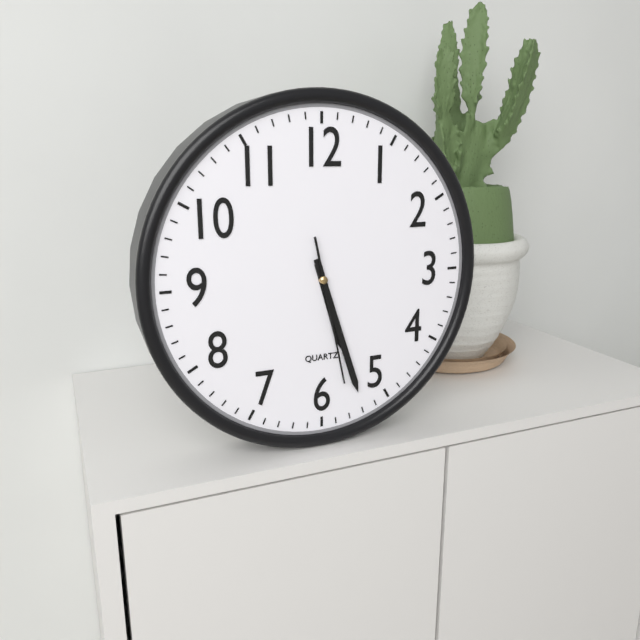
h=5 m=27 s=28
